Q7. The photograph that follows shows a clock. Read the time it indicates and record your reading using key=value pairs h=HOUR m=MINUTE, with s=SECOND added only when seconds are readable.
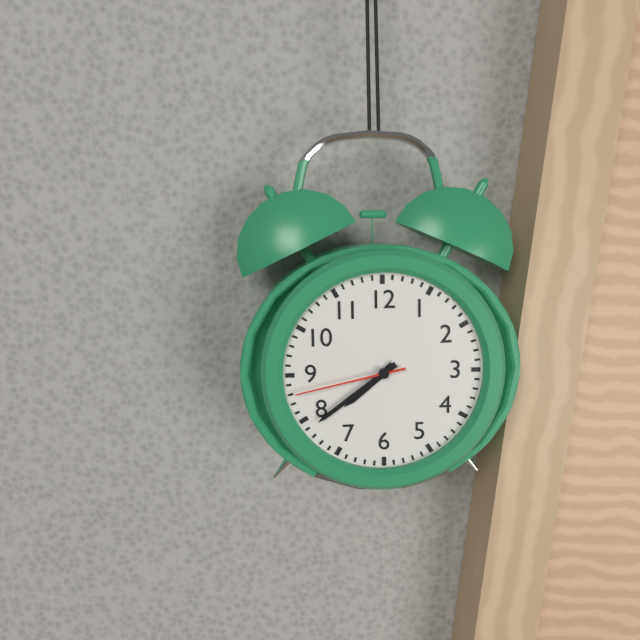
h=7 m=39 s=43
